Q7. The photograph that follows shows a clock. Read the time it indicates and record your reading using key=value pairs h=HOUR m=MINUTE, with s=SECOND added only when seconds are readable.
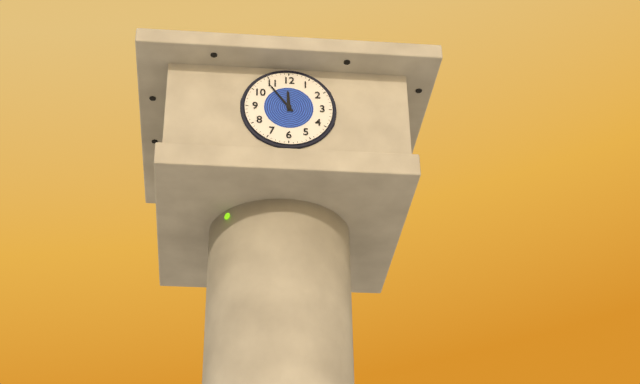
h=11 m=54
